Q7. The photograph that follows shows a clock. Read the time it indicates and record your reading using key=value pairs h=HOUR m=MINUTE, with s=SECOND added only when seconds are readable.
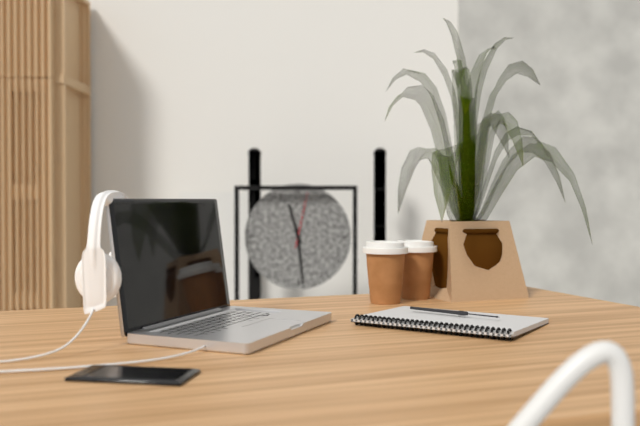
h=11 m=29 s=2
